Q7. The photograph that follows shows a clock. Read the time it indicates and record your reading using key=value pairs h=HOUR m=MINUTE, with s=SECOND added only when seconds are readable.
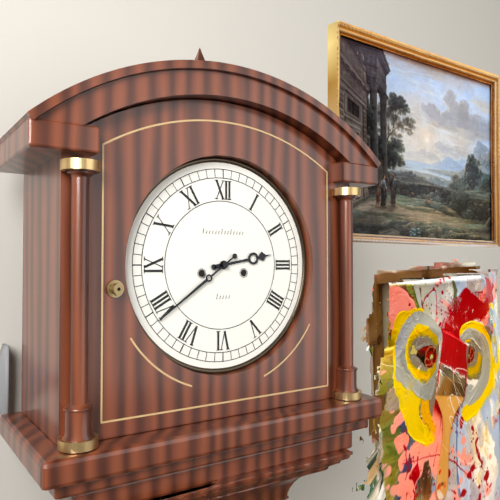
h=2 m=39
